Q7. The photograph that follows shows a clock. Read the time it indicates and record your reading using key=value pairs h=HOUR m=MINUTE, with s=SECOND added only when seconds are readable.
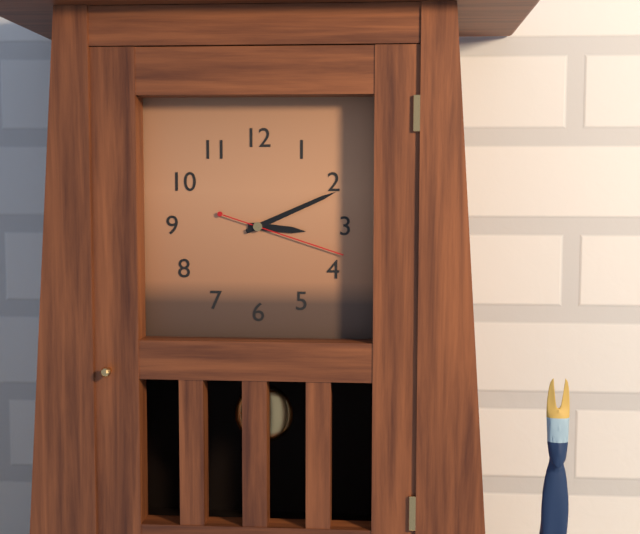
h=3 m=11 s=18
